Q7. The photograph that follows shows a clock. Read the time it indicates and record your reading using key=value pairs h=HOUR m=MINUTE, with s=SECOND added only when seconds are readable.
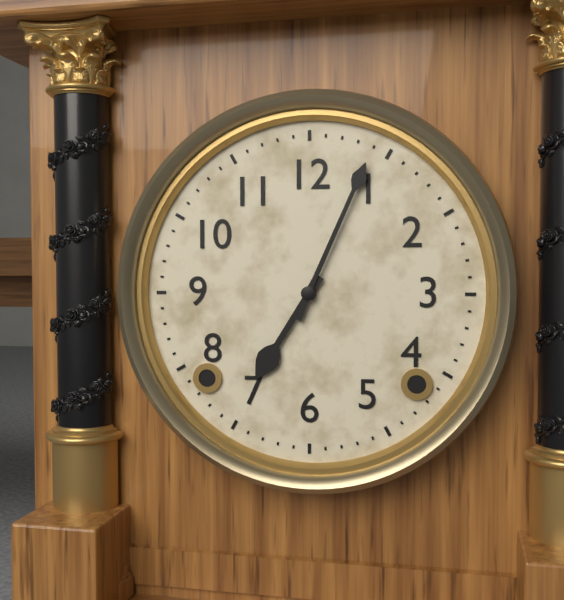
h=7 m=4
